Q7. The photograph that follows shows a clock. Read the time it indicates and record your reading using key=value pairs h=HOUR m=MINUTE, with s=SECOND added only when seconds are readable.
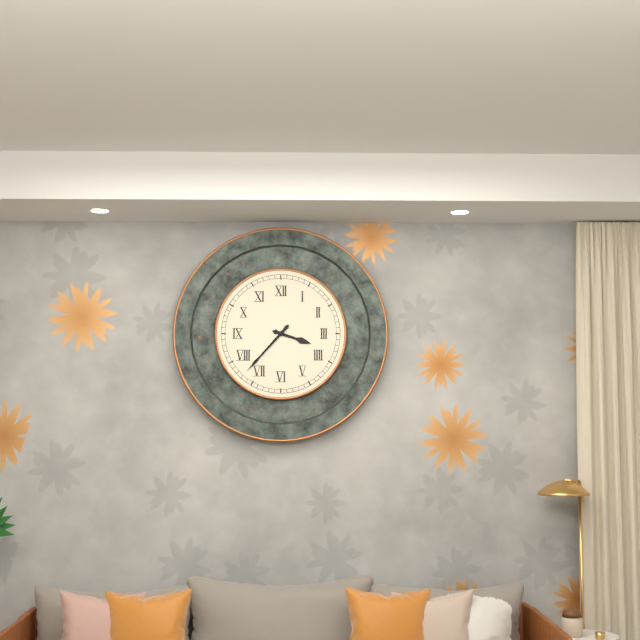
h=3 m=37
